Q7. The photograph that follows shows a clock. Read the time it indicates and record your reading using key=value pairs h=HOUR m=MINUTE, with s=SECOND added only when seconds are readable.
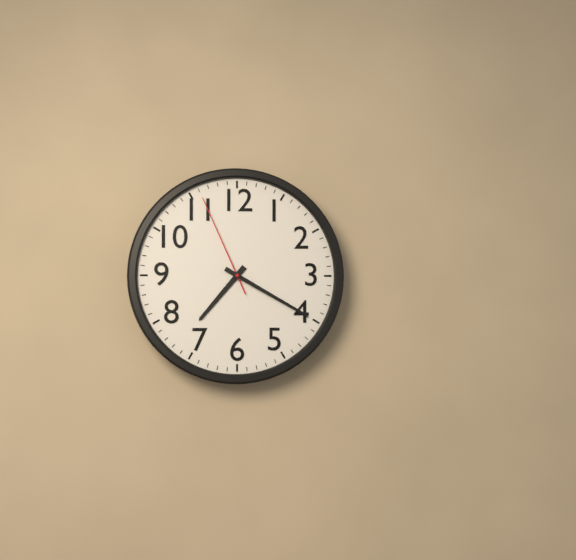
h=7 m=20 s=56
